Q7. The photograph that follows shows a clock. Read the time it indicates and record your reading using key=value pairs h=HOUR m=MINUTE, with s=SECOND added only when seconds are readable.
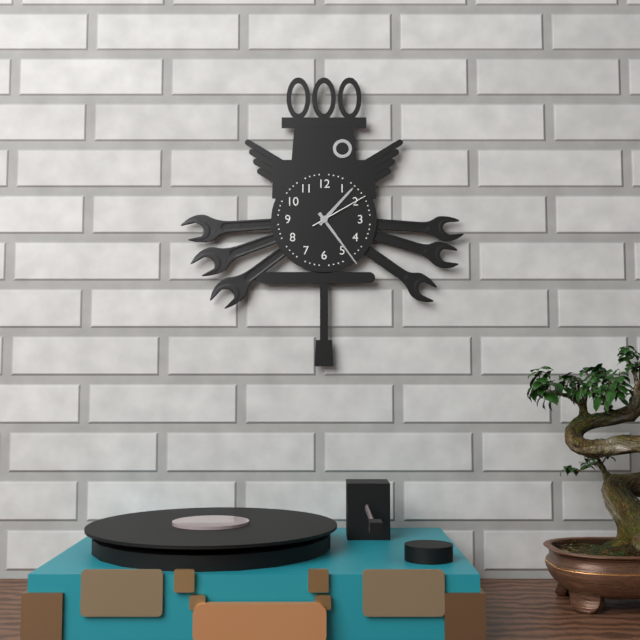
h=1 m=24 s=10
